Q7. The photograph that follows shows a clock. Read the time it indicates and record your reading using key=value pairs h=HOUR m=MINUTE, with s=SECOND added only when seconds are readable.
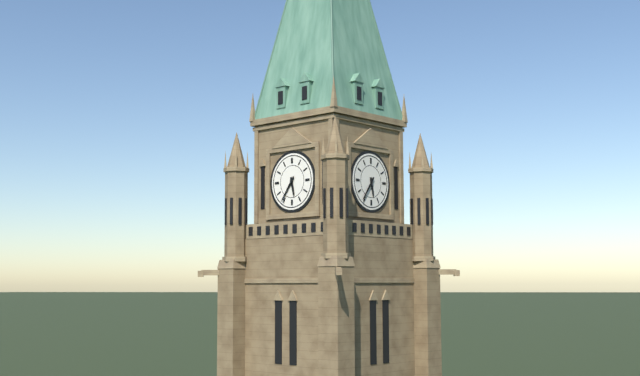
h=5 m=36
